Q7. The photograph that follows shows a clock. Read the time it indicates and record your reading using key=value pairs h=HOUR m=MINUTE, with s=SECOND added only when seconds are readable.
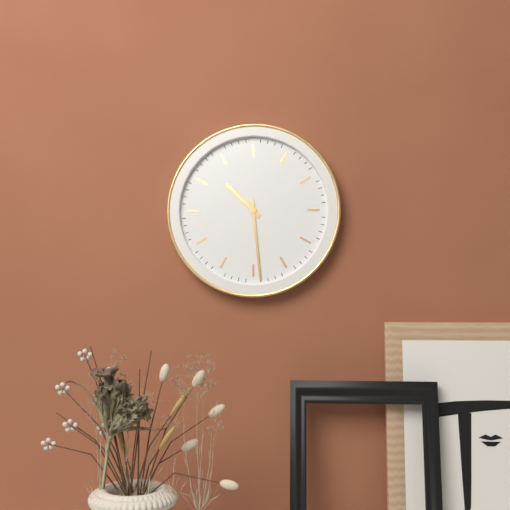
h=10 m=29
